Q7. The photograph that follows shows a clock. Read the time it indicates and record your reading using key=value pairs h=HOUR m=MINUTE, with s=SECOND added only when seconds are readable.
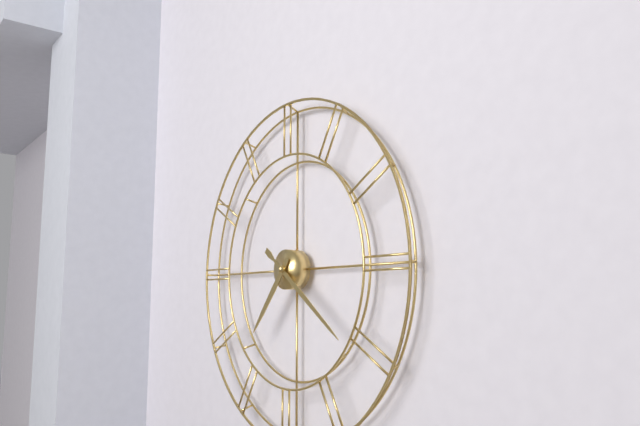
h=7 m=21
